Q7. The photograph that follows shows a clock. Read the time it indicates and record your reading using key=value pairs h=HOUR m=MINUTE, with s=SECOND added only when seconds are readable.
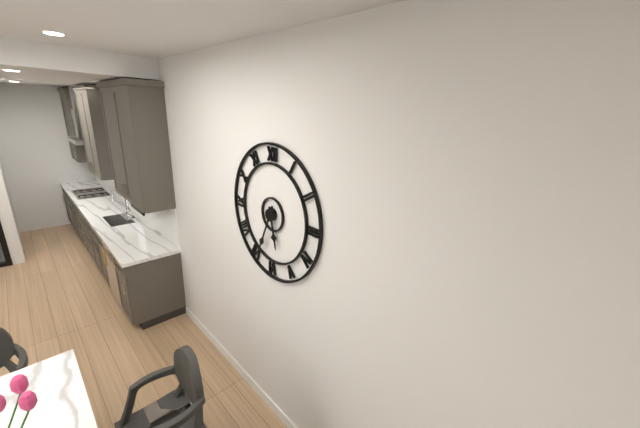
h=5 m=34
